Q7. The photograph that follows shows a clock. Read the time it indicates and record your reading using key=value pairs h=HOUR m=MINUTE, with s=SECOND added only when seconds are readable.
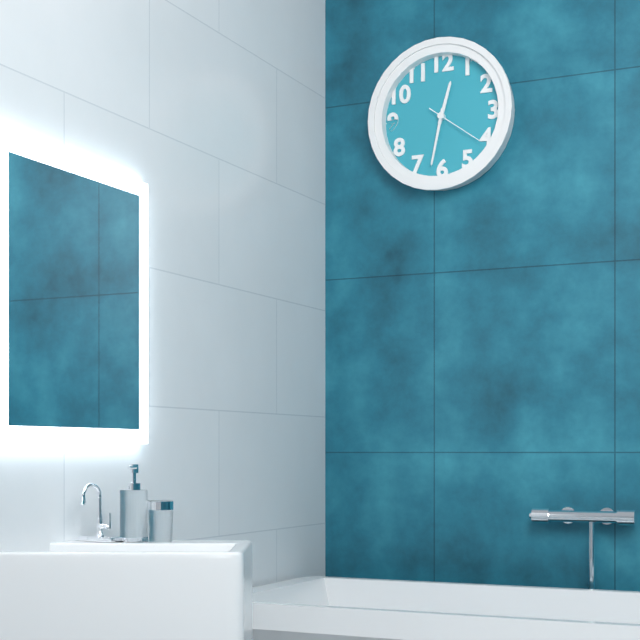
h=12 m=32 s=21
